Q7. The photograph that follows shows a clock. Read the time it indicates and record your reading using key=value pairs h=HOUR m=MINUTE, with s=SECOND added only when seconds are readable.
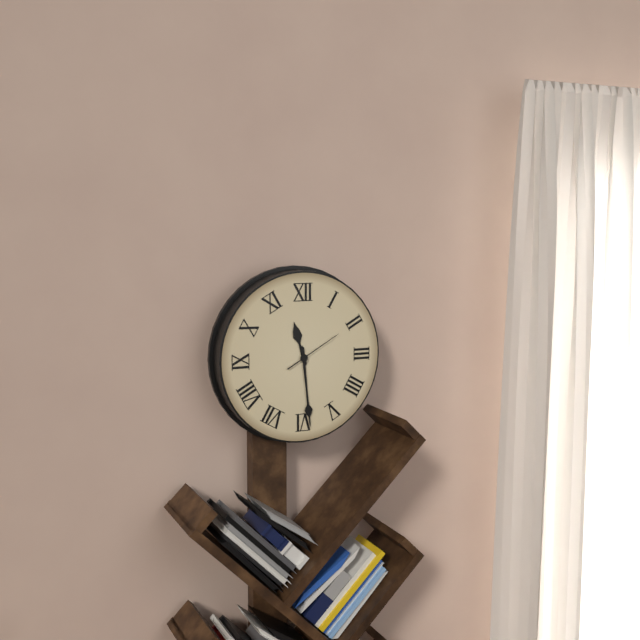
h=11 m=29 s=10
